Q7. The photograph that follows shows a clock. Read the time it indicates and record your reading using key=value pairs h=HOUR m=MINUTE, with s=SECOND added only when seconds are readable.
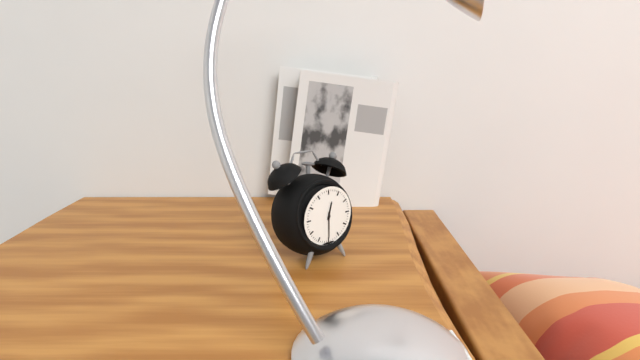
h=12 m=30
